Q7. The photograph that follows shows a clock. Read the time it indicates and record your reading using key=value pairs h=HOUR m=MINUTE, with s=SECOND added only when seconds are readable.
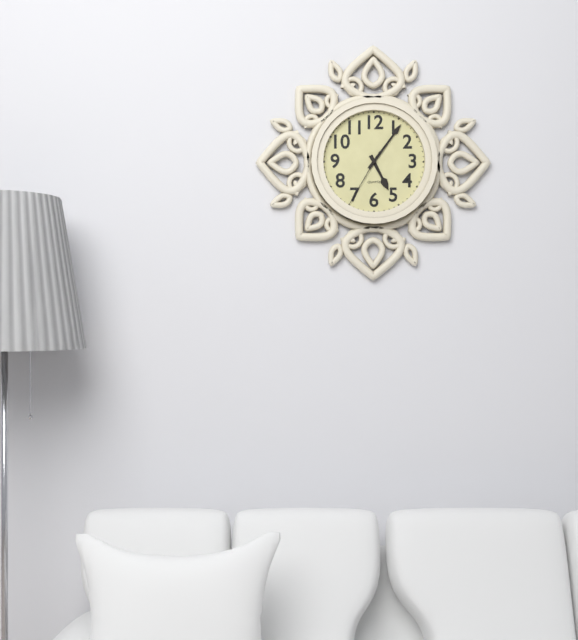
h=5 m=6 s=35
